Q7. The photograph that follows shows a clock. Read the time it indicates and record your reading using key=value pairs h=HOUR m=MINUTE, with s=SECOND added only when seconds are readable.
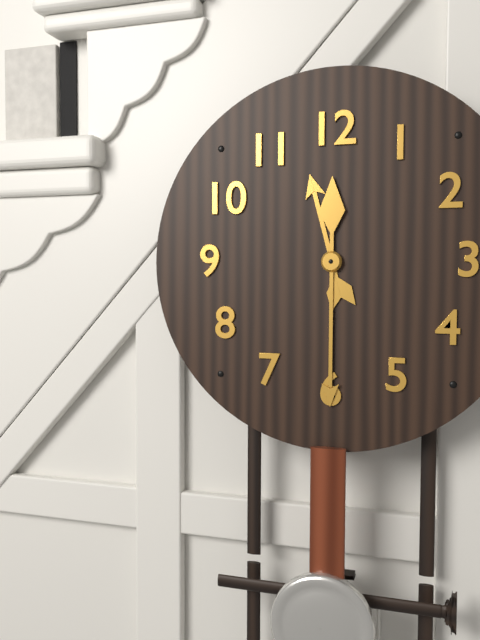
h=11 m=30
